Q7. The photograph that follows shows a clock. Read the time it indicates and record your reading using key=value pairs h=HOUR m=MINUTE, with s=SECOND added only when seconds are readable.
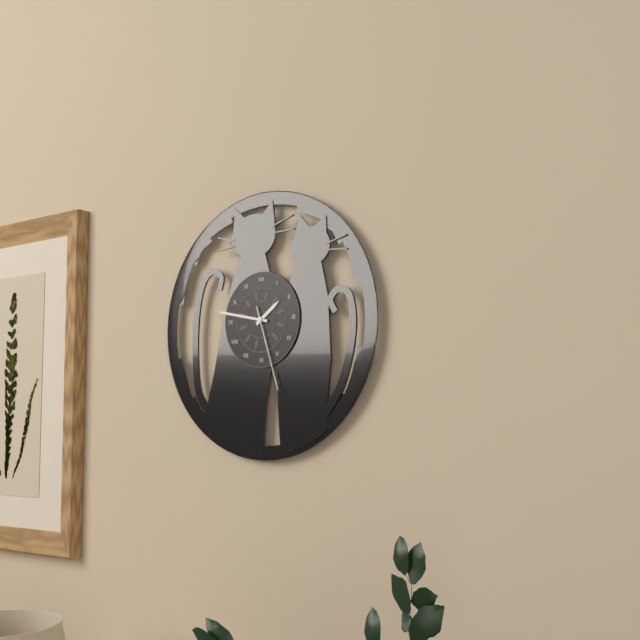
h=1 m=47 s=27
